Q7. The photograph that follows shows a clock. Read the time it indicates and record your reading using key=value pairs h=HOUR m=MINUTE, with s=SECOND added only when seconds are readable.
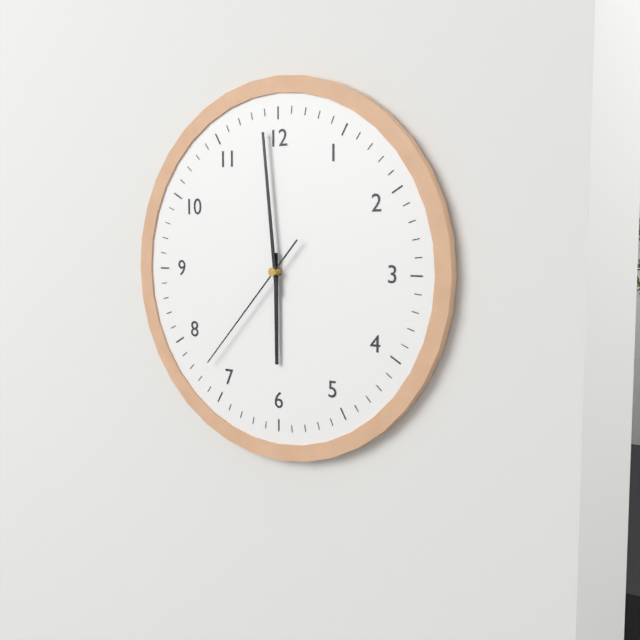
h=5 m=59 s=37
